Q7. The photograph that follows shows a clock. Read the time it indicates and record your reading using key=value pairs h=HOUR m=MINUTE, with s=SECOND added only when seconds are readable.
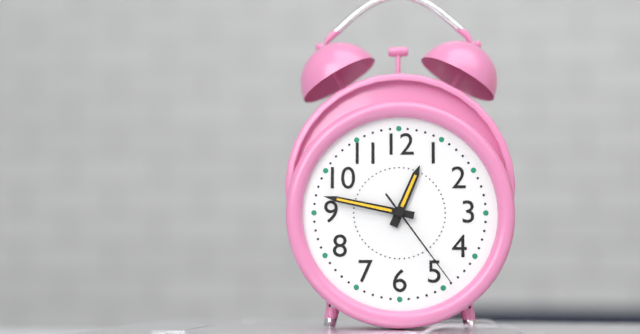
h=12 m=47 s=24
